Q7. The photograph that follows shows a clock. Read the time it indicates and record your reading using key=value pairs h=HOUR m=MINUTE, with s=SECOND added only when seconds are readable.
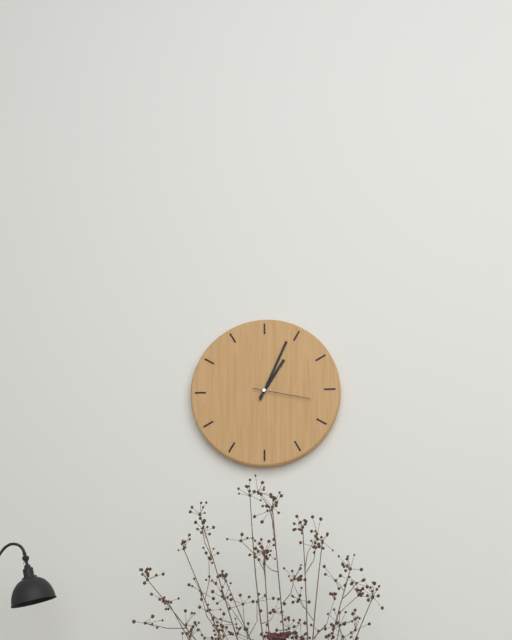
h=1 m=4 s=17
